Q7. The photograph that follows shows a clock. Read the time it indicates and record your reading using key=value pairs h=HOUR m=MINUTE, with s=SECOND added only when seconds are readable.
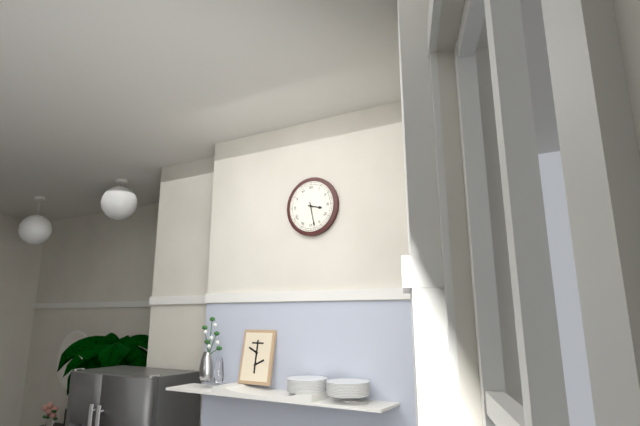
h=3 m=28
